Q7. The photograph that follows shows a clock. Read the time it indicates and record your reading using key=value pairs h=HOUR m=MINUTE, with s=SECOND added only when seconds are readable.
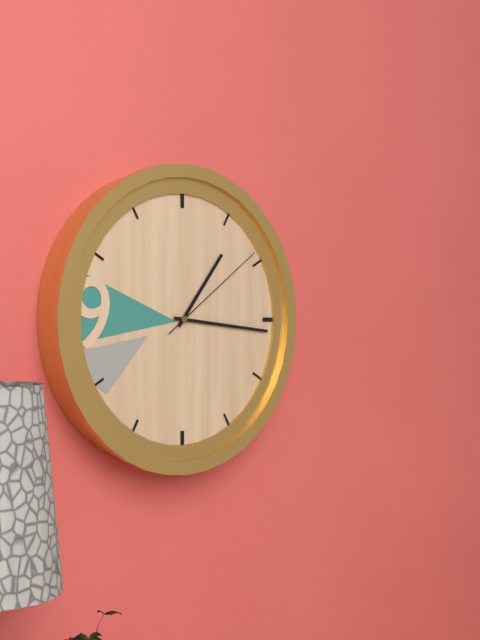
h=1 m=16 s=9
